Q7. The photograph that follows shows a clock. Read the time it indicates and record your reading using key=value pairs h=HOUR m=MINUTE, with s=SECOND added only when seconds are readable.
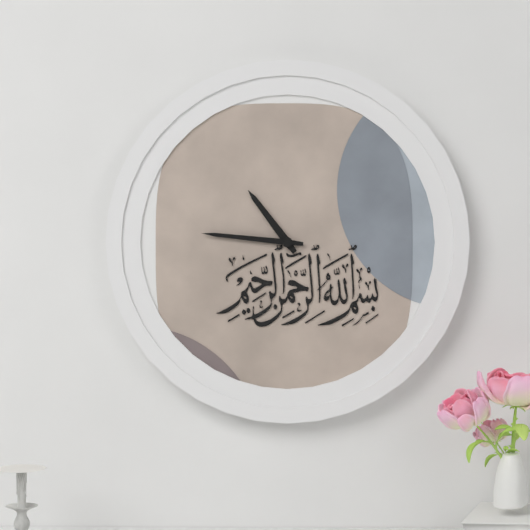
h=10 m=46
